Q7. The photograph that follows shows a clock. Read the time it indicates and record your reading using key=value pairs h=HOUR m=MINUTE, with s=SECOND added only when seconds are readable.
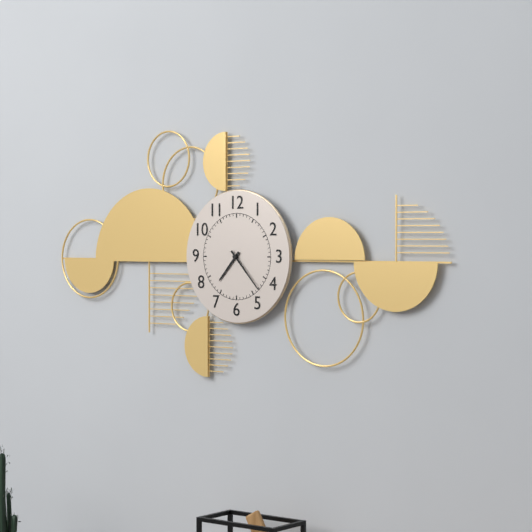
h=7 m=23
